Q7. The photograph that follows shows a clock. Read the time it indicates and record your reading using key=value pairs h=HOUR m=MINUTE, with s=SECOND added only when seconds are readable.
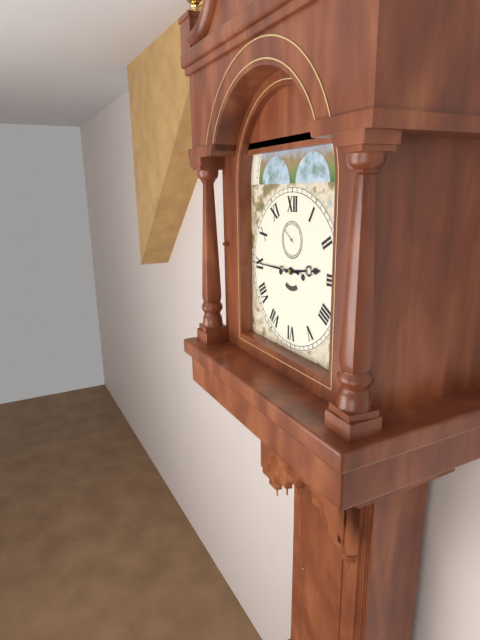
h=2 m=45
